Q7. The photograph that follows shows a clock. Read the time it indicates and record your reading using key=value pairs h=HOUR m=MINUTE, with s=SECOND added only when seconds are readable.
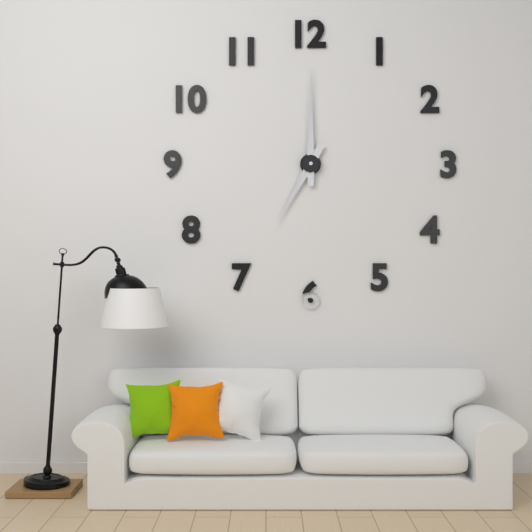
h=7 m=0
